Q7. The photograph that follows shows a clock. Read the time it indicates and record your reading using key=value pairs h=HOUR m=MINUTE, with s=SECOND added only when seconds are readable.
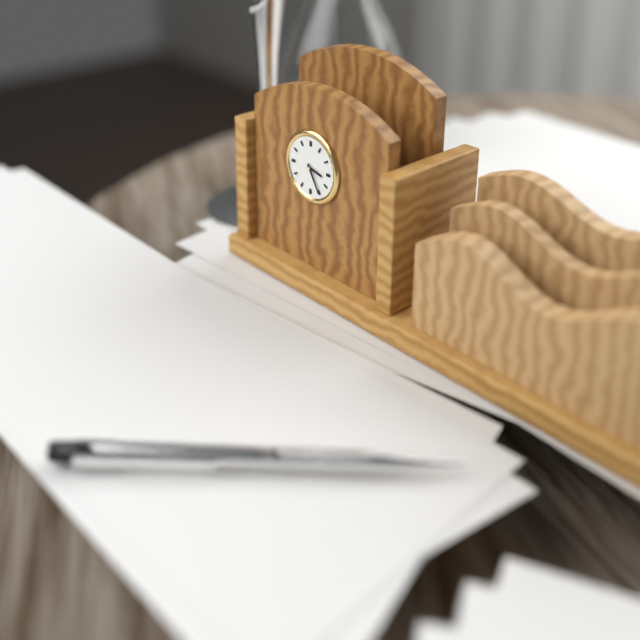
h=3 m=25
